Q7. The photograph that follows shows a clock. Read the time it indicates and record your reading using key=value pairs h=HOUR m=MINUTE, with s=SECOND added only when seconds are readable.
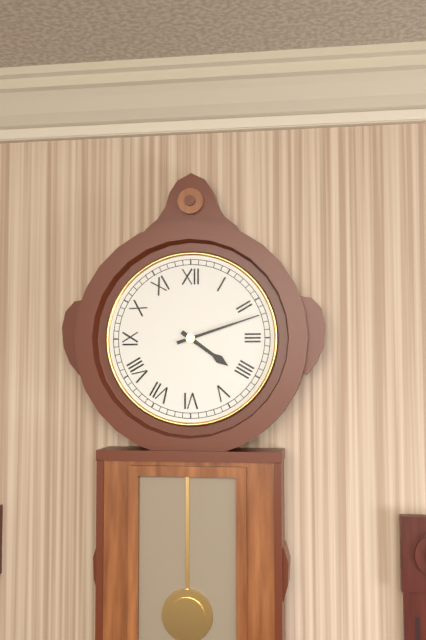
h=4 m=12
